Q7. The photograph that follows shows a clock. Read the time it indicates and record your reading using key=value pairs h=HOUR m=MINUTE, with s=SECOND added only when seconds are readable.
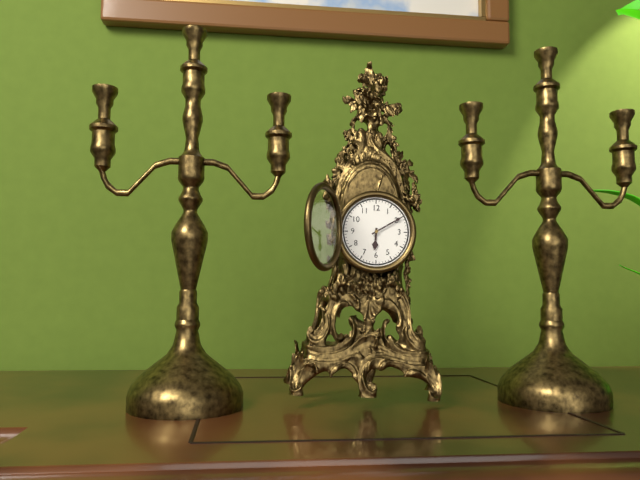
h=6 m=10
